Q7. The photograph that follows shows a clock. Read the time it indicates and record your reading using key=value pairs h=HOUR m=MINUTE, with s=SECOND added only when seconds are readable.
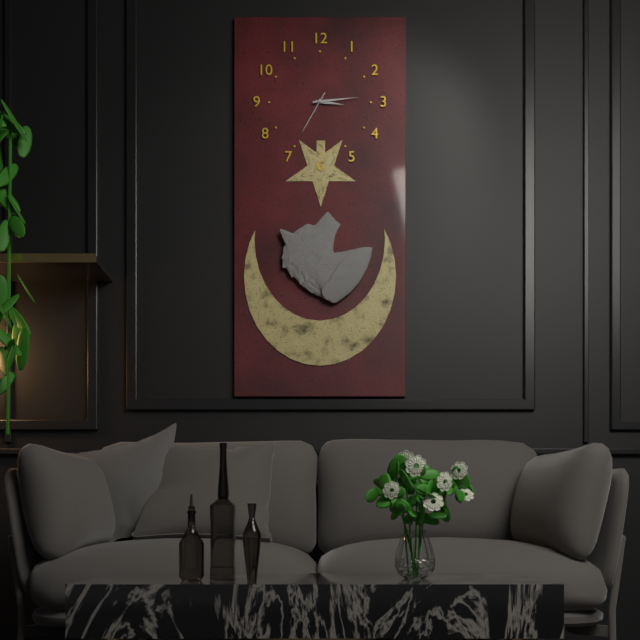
h=3 m=14
